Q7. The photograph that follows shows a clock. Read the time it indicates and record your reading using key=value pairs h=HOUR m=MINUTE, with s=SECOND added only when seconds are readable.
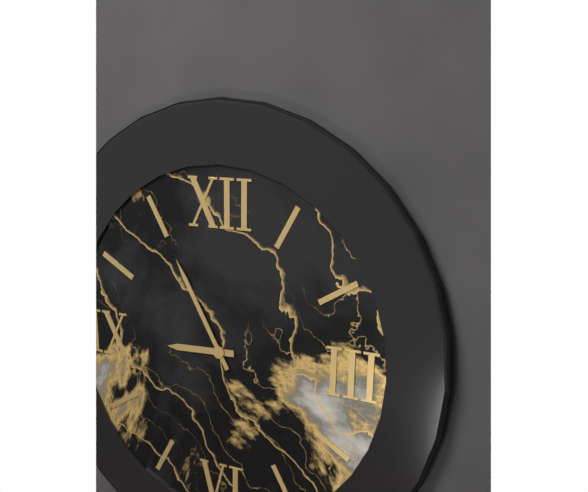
h=8 m=55
